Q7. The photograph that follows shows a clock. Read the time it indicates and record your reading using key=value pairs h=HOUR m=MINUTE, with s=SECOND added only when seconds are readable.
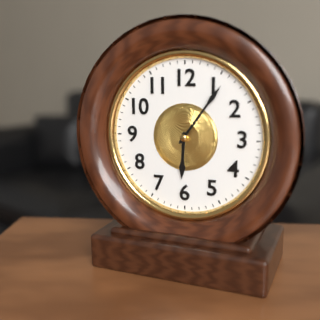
h=6 m=6
